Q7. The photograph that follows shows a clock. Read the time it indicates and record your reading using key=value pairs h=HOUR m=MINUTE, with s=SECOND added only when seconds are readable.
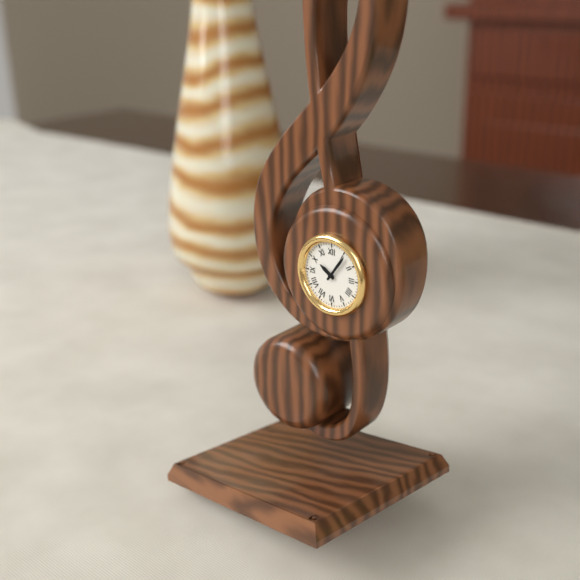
h=10 m=6
